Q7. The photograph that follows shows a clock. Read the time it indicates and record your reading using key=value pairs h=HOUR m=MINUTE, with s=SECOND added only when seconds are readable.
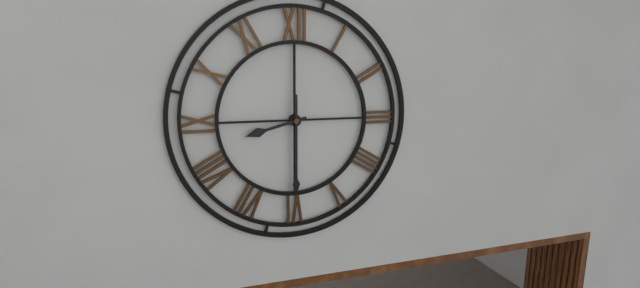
h=8 m=30
